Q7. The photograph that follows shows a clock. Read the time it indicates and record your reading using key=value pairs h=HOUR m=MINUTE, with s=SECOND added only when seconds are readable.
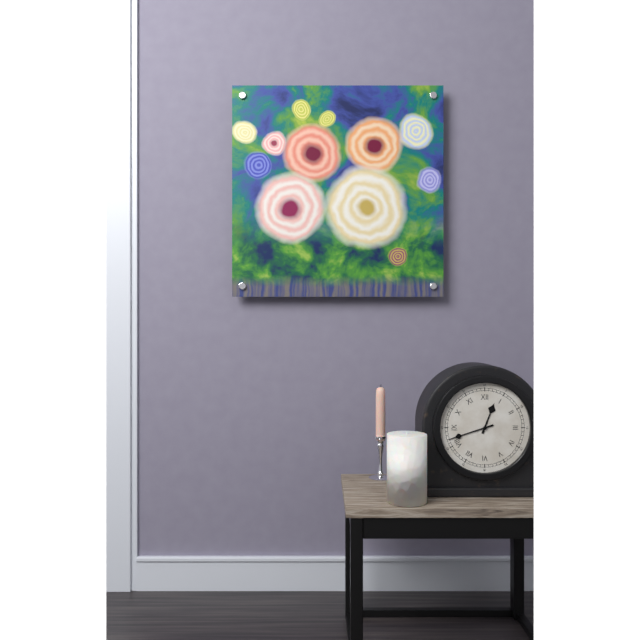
h=12 m=42
